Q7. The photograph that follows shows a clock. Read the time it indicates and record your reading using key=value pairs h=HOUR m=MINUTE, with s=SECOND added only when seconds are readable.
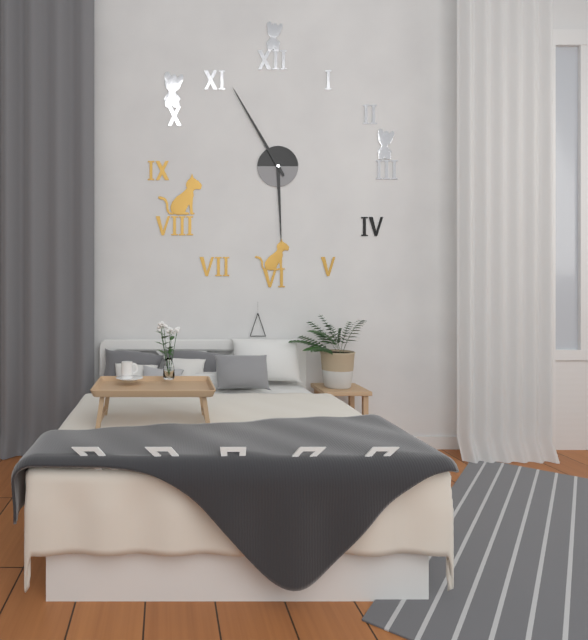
h=5 m=55
